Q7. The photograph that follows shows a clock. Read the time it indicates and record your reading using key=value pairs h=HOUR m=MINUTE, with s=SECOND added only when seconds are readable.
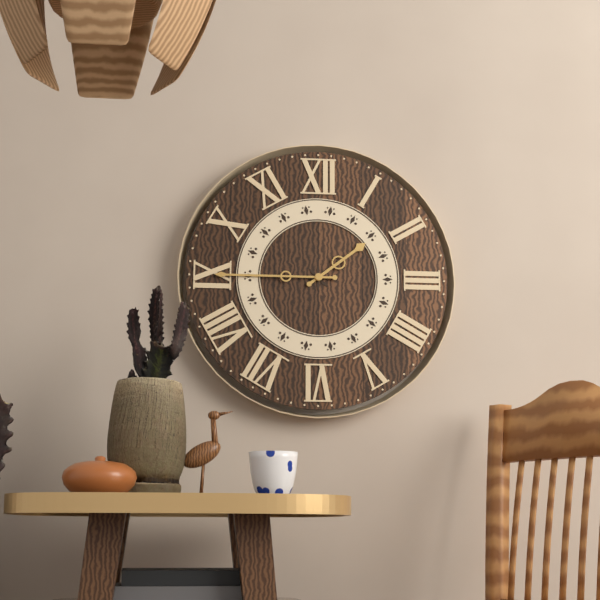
h=1 m=45
